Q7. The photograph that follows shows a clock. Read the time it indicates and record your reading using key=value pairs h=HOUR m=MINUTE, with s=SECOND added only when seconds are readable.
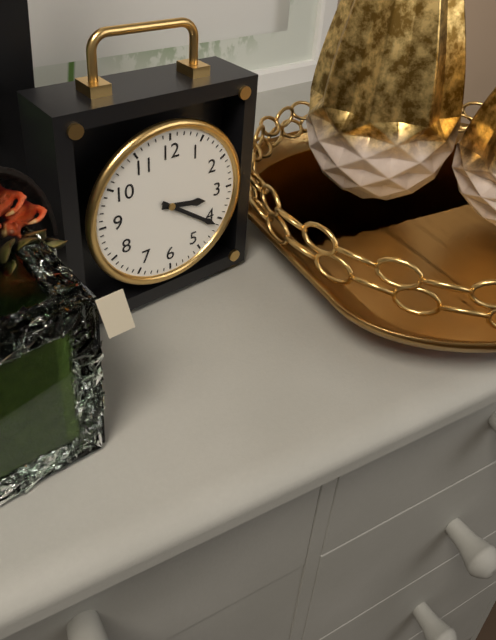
h=3 m=21
